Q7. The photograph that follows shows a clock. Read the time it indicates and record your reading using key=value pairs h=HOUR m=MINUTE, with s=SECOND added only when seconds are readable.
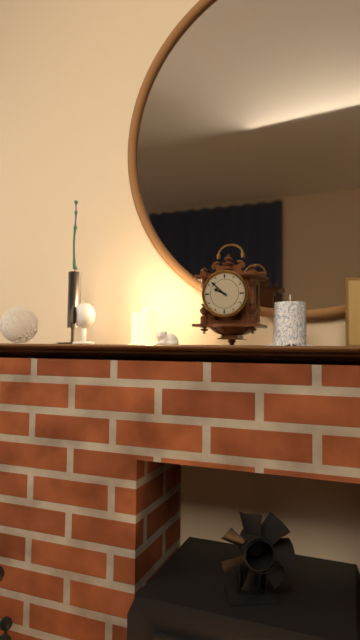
h=9 m=52
